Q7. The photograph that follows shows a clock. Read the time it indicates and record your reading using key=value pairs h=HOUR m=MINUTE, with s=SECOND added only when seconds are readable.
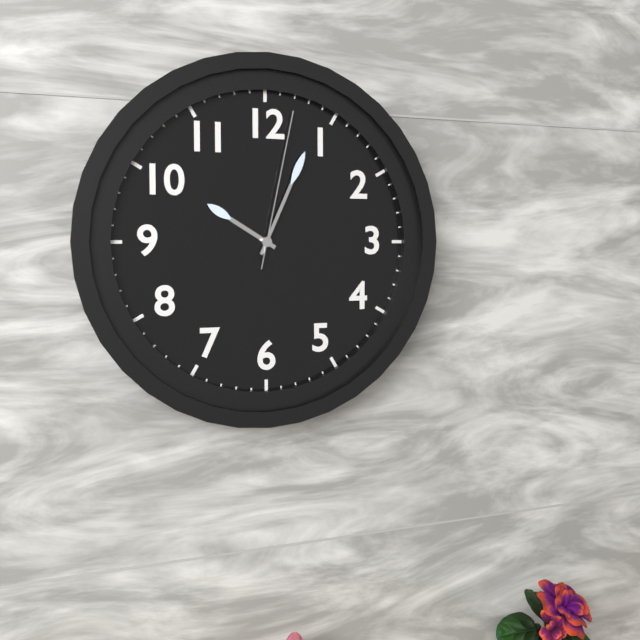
h=10 m=4 s=2
